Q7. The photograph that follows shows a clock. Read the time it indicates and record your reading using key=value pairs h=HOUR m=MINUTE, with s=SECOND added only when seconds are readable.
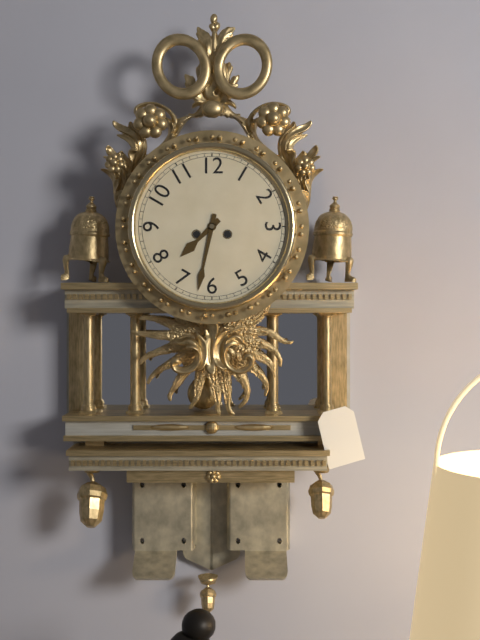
h=7 m=32
